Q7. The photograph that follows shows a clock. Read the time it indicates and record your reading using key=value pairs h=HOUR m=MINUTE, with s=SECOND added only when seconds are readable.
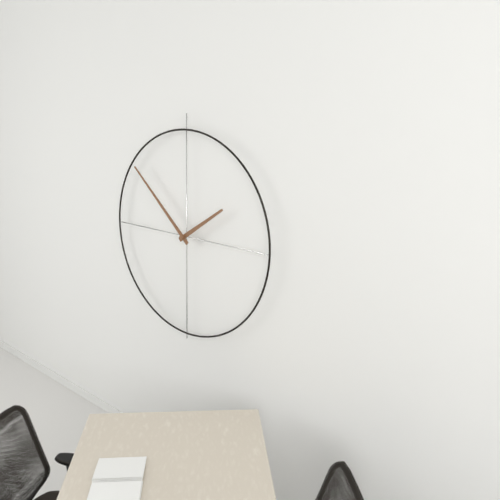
h=1 m=52
